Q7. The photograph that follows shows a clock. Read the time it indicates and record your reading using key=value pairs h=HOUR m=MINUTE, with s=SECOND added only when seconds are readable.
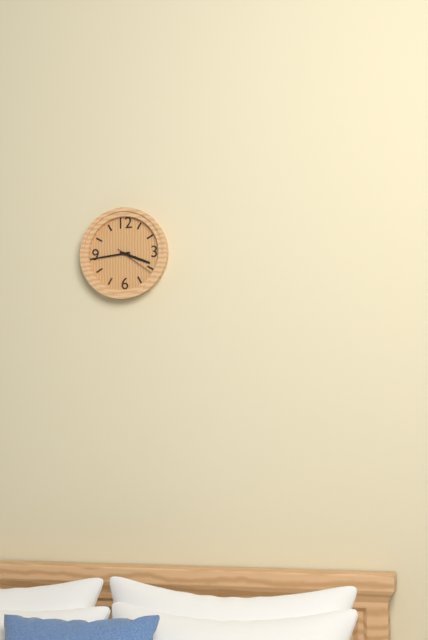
h=3 m=44
